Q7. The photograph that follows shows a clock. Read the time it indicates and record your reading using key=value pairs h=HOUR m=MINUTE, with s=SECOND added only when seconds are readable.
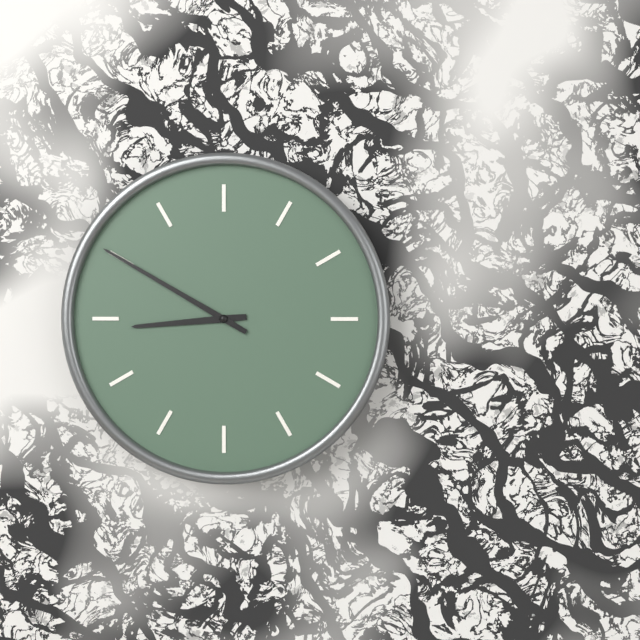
h=8 m=50
